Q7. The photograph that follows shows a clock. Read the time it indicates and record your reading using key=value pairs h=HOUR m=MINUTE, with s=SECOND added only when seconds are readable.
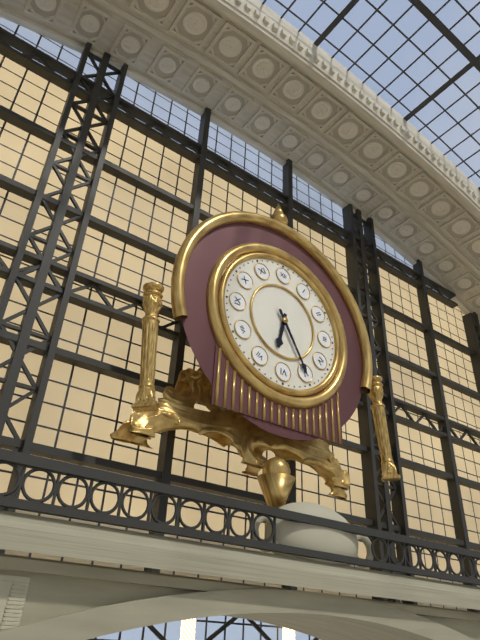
h=6 m=25
